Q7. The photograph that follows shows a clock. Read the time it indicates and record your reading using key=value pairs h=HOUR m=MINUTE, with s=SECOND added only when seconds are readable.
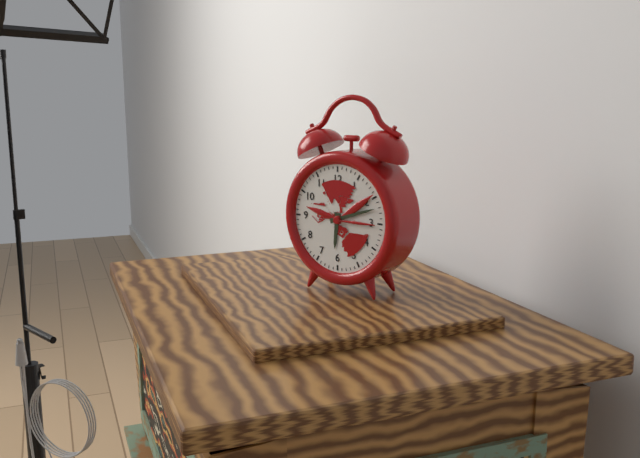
h=6 m=12
